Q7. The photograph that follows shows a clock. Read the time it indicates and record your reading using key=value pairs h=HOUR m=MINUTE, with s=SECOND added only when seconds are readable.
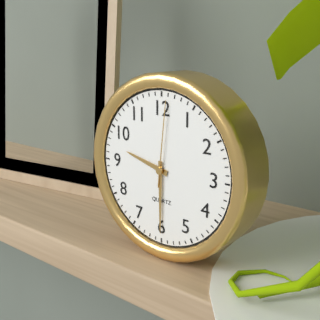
h=9 m=30 s=1
